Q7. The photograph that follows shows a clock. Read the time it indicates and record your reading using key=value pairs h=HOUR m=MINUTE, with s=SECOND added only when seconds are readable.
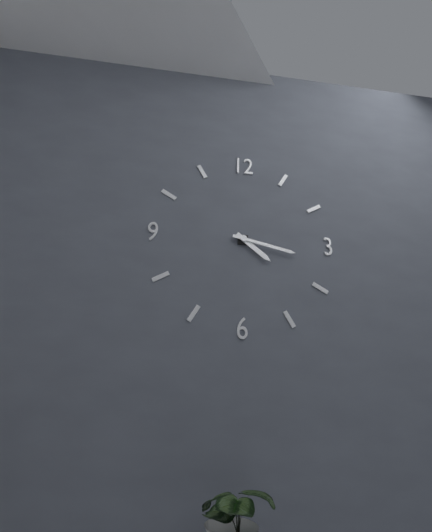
h=4 m=17
